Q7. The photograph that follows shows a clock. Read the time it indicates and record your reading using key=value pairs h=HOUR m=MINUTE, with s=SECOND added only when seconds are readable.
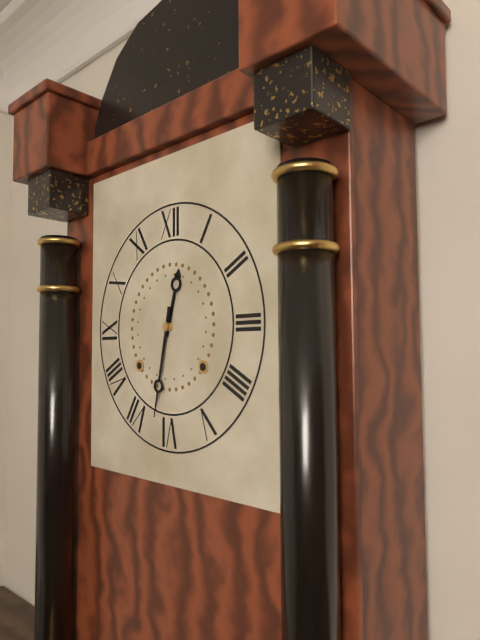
h=12 m=32
